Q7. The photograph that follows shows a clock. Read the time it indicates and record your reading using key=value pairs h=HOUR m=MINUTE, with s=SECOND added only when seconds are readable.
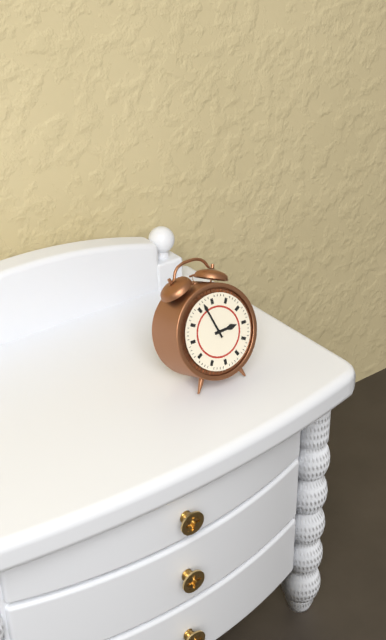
h=2 m=57
